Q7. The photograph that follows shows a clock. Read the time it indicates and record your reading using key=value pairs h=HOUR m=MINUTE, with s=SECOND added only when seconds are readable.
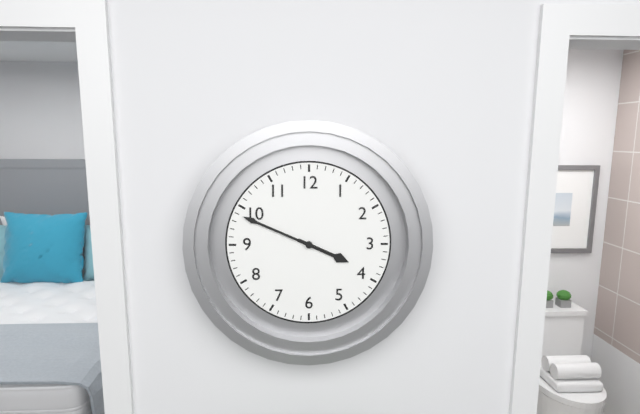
h=3 m=49
